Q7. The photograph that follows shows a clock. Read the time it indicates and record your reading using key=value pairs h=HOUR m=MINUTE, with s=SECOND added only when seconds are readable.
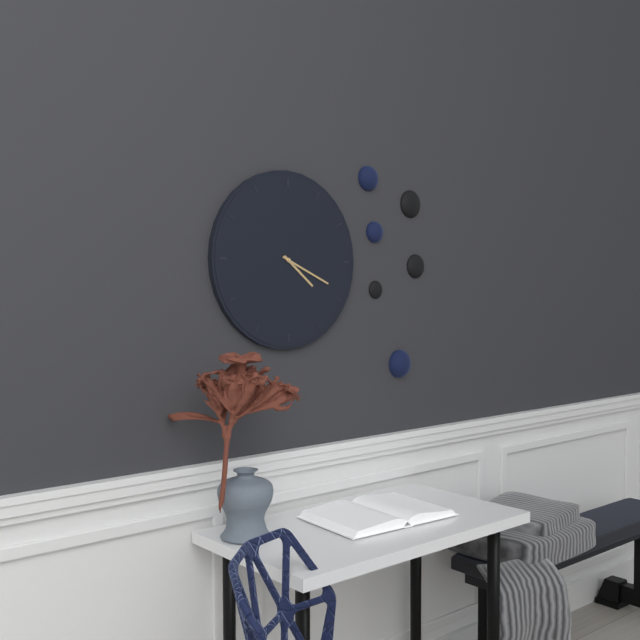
h=4 m=19
